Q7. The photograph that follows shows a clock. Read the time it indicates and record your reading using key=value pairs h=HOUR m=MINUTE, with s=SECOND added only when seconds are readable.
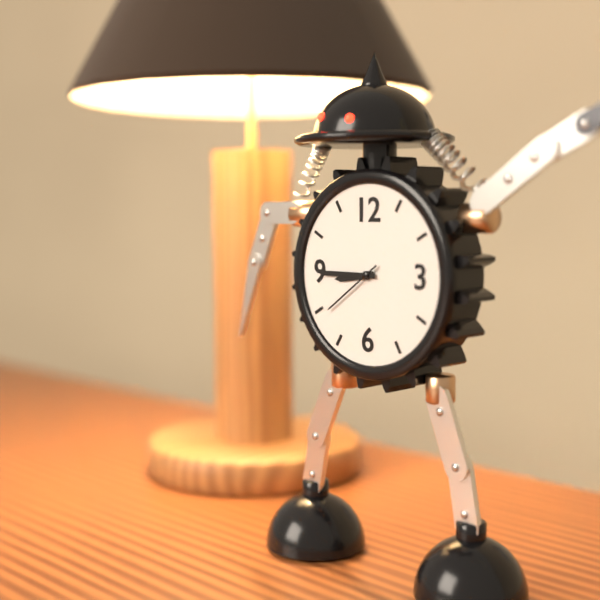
h=8 m=45 s=39
